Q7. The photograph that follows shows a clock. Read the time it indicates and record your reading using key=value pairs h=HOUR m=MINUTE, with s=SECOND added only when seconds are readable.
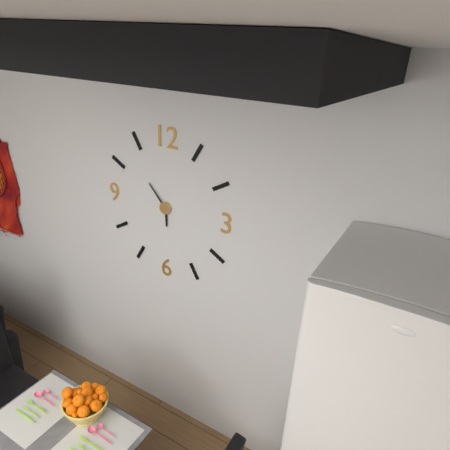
h=5 m=53
